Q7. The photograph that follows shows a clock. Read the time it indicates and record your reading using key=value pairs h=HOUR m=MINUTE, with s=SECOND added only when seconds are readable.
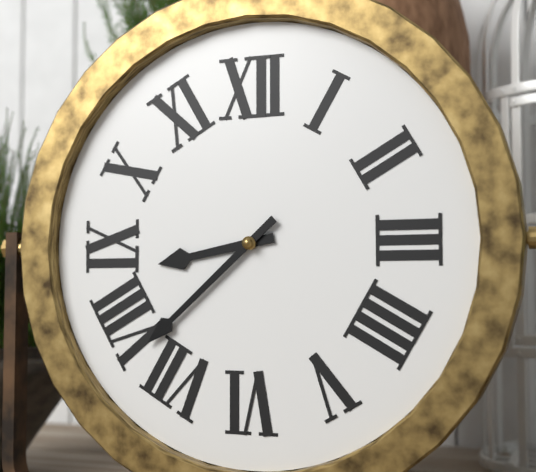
h=8 m=38
